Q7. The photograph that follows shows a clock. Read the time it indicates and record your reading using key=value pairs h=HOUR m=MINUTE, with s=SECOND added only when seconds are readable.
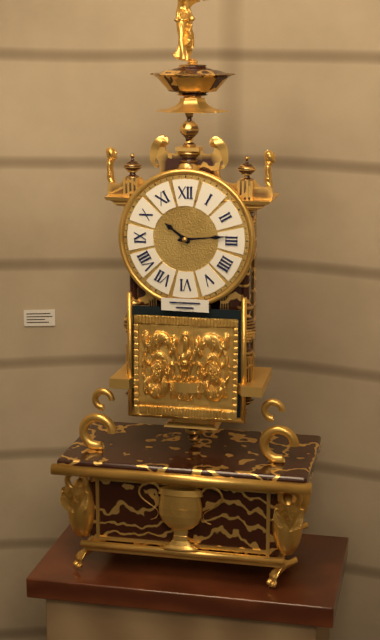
h=10 m=14
